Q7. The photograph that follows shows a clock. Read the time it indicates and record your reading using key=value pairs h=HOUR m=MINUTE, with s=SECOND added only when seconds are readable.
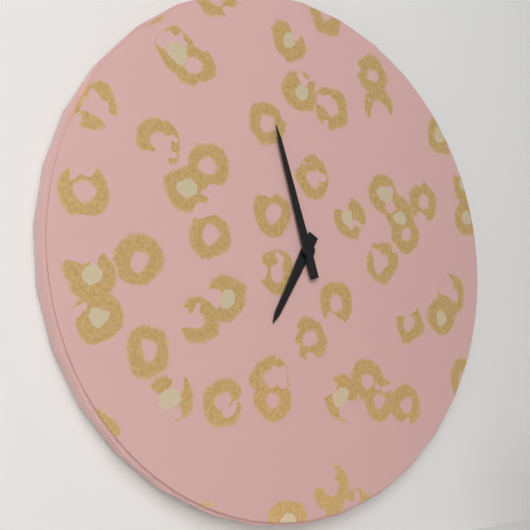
h=6 m=57
